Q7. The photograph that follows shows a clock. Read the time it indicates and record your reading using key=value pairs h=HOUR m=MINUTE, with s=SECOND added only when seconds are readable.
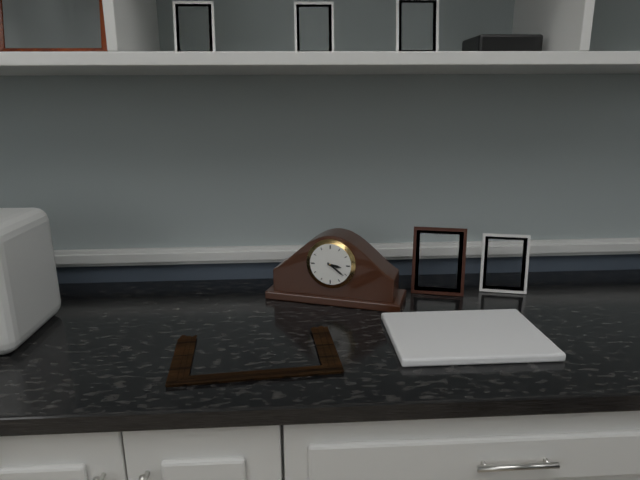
h=3 m=21
